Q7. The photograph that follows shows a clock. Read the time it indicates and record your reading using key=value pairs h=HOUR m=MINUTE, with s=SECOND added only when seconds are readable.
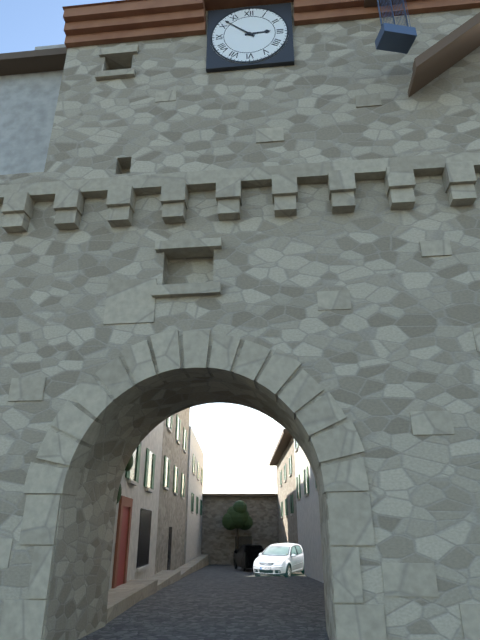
h=2 m=52
